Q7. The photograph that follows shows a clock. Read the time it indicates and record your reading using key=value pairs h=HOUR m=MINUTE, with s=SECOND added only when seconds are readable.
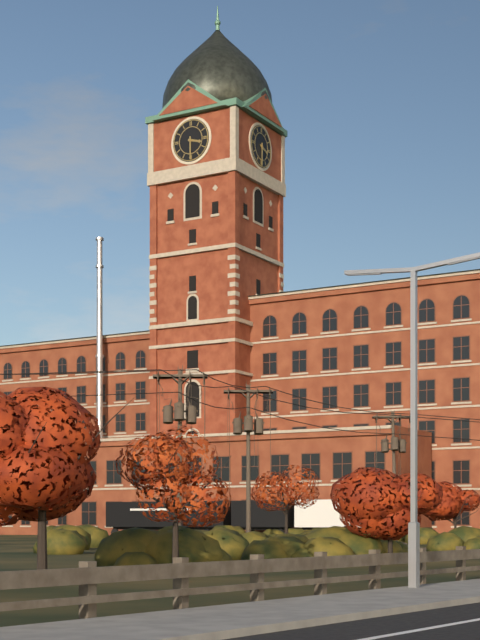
h=3 m=30
